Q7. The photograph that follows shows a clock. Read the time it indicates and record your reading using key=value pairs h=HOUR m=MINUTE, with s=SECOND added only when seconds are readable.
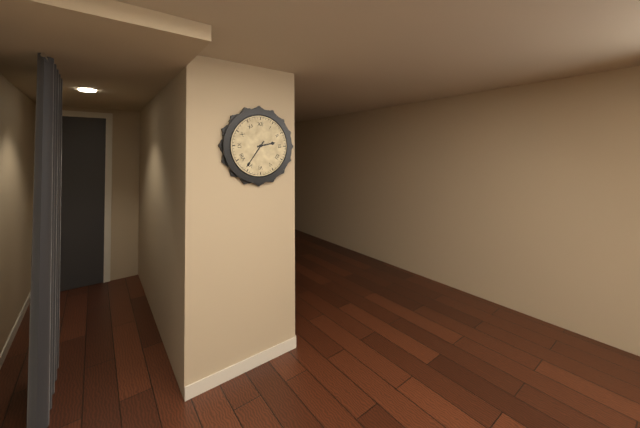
h=2 m=36
